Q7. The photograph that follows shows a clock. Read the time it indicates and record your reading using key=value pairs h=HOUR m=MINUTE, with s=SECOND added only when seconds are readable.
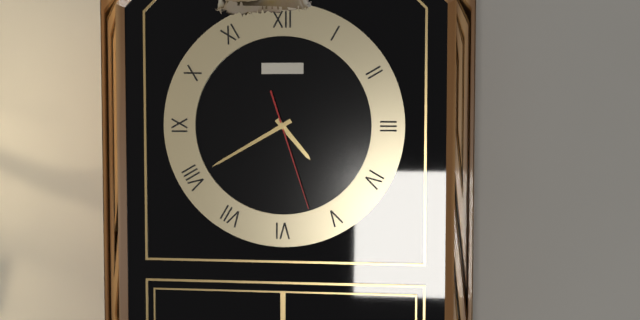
h=4 m=40 s=27
